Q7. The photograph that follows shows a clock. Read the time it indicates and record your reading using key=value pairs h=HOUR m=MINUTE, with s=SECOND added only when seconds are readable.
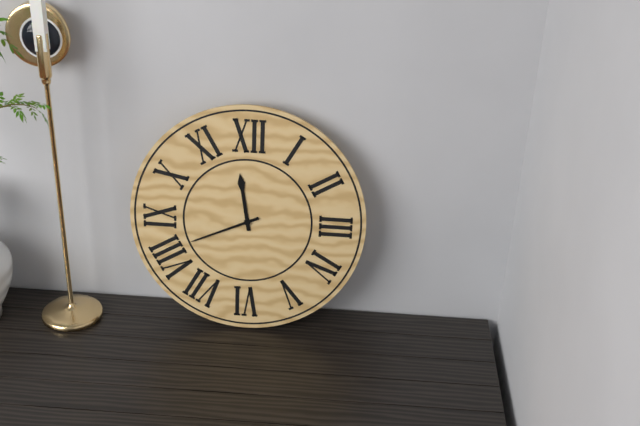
h=11 m=41
